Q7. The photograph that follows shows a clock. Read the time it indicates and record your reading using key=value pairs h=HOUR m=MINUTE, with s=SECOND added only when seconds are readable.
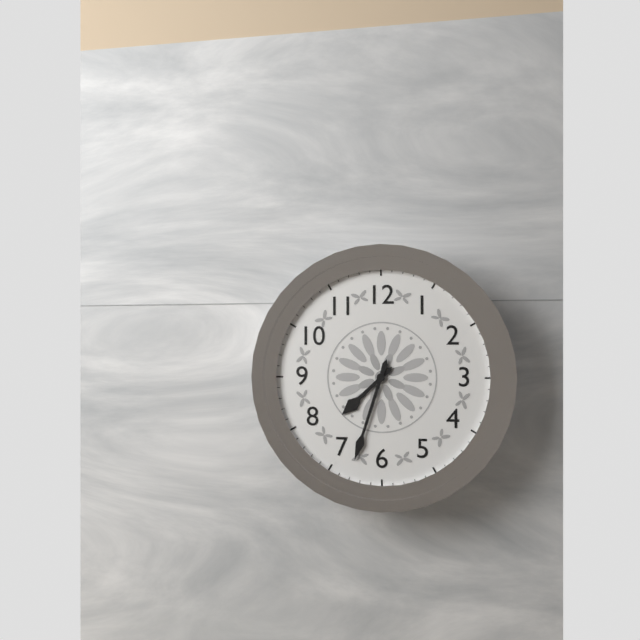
h=7 m=33
